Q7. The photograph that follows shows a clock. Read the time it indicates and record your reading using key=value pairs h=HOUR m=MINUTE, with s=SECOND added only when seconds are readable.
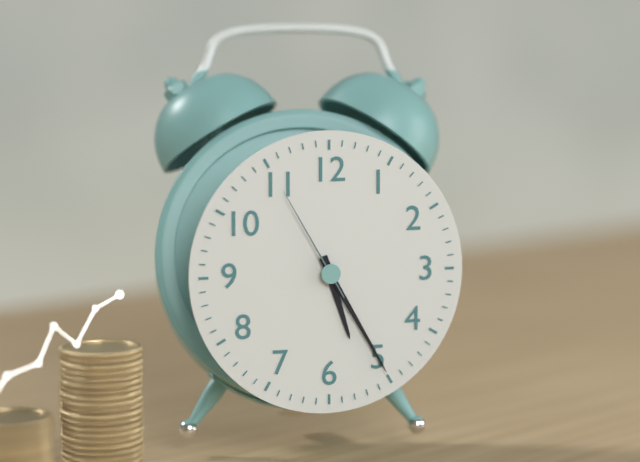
h=5 m=25 s=55
